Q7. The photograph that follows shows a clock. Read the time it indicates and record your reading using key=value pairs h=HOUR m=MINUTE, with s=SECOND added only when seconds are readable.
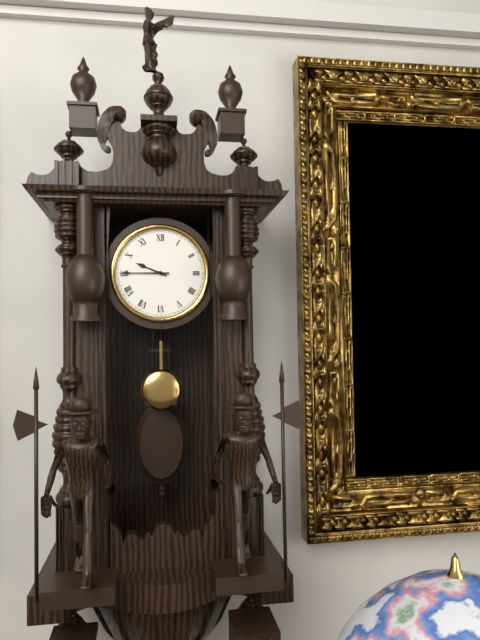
h=9 m=45
